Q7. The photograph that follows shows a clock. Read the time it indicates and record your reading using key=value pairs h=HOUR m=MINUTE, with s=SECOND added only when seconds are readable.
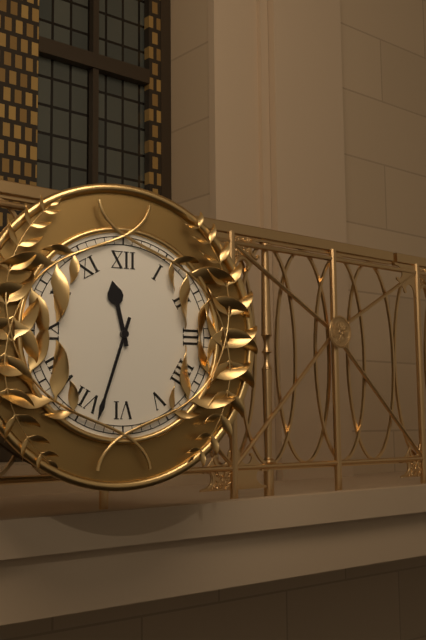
h=11 m=33
